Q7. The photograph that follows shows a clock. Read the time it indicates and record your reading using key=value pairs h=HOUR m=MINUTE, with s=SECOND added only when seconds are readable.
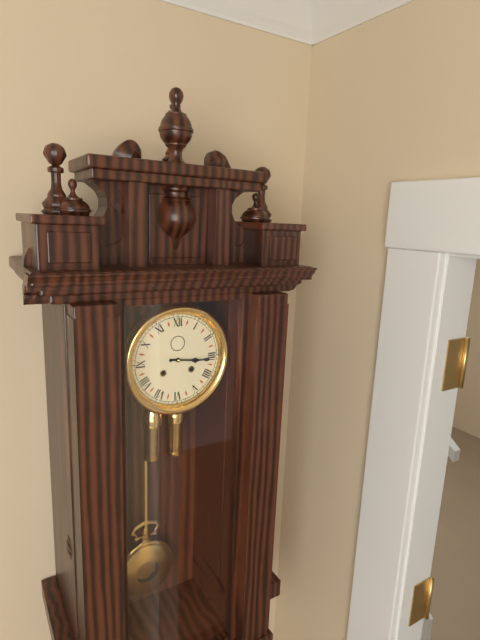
h=3 m=16
